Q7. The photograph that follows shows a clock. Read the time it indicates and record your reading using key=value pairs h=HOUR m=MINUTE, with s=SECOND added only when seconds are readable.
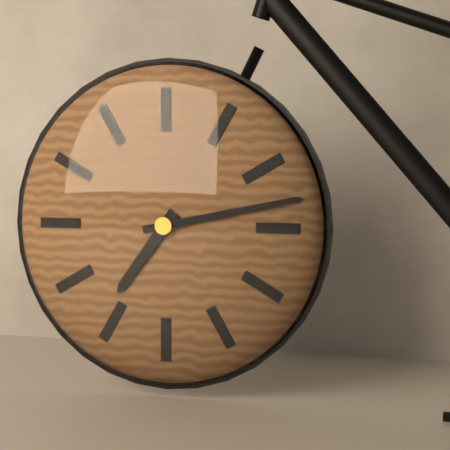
h=7 m=13
